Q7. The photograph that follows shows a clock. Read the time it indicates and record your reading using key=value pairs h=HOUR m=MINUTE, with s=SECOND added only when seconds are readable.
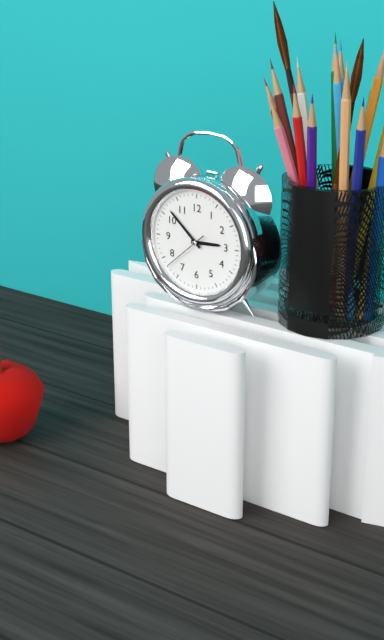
h=2 m=52
